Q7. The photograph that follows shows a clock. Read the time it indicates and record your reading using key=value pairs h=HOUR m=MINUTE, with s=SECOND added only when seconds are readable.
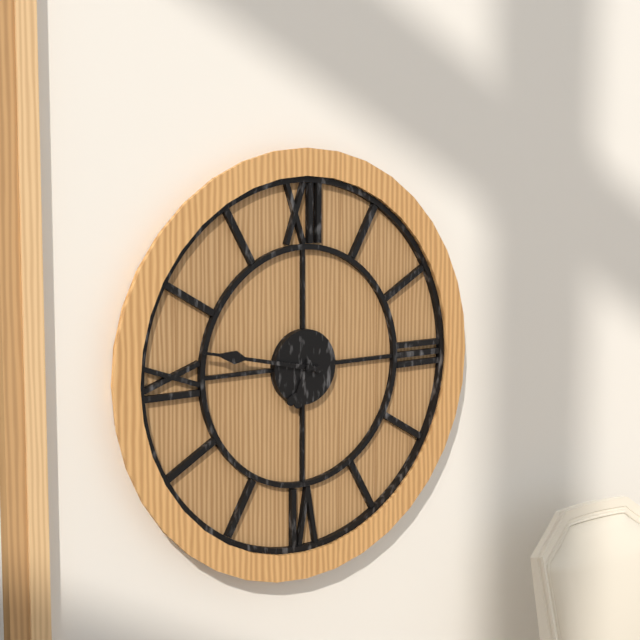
h=6 m=47
